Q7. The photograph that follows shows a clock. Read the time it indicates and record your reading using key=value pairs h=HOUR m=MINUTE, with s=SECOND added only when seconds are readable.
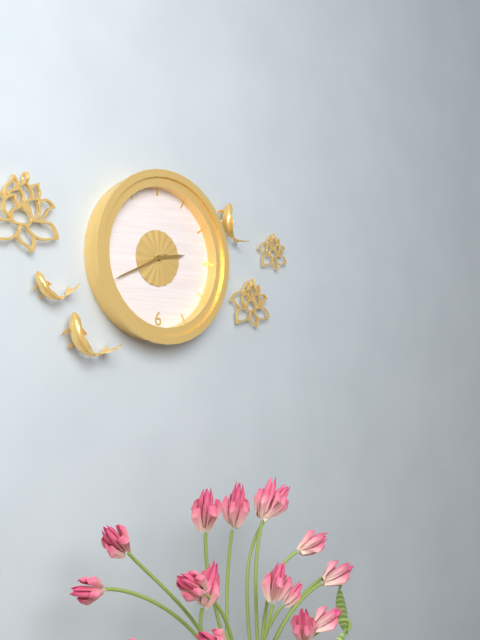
h=2 m=41
